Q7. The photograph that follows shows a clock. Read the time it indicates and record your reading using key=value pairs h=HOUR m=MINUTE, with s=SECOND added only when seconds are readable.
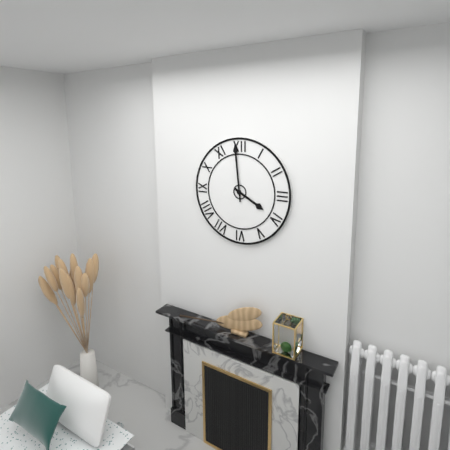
h=3 m=59
